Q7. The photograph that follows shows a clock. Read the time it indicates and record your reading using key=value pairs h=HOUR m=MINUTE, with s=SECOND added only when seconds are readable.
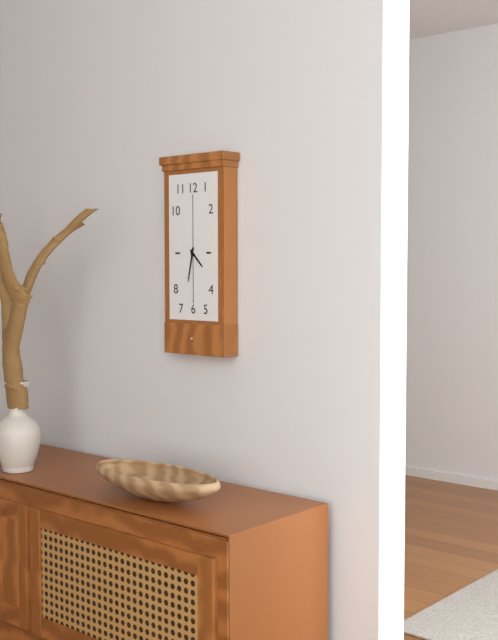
h=4 m=32
